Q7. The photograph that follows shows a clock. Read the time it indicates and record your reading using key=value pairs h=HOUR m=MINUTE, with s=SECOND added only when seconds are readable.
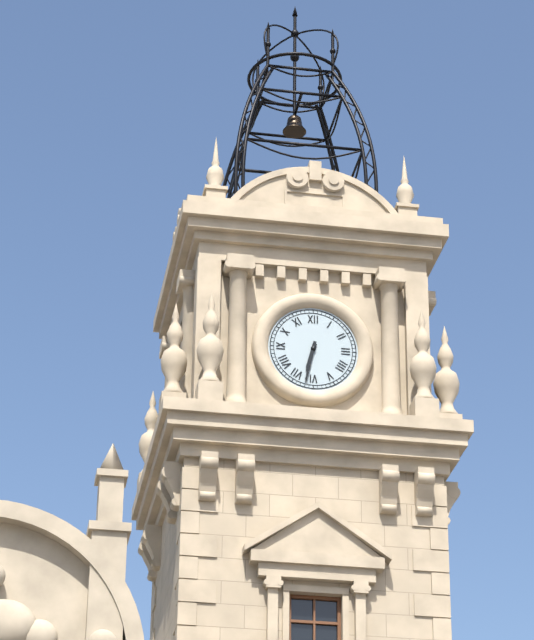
h=6 m=32
